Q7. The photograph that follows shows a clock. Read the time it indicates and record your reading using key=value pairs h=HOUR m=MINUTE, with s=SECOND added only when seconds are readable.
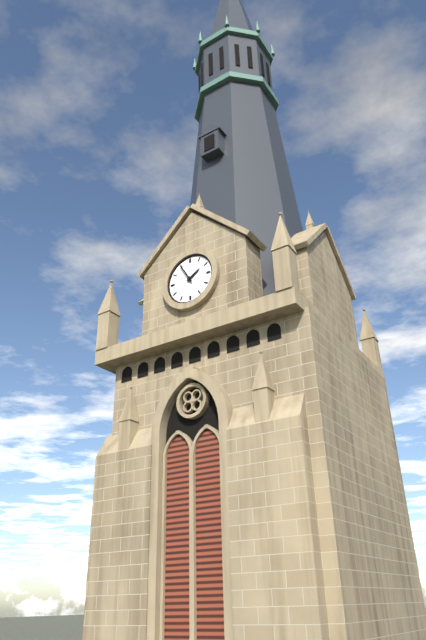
h=1 m=55
